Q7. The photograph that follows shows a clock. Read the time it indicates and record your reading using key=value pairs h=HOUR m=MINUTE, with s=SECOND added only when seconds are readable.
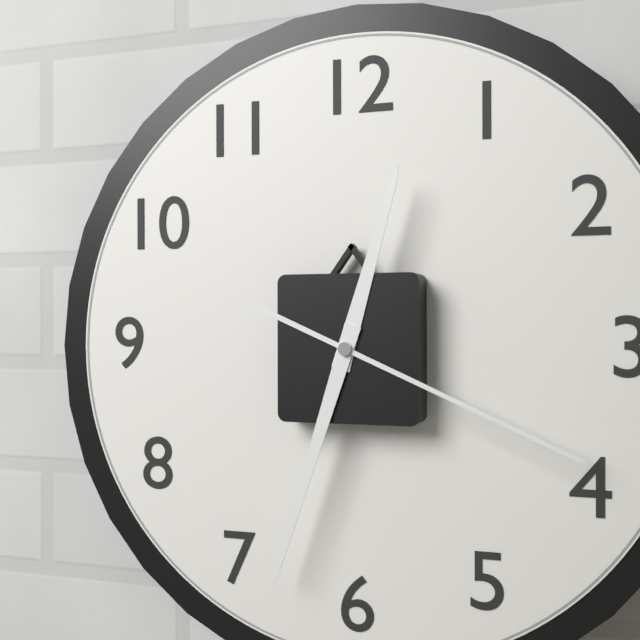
h=12 m=33 s=19
